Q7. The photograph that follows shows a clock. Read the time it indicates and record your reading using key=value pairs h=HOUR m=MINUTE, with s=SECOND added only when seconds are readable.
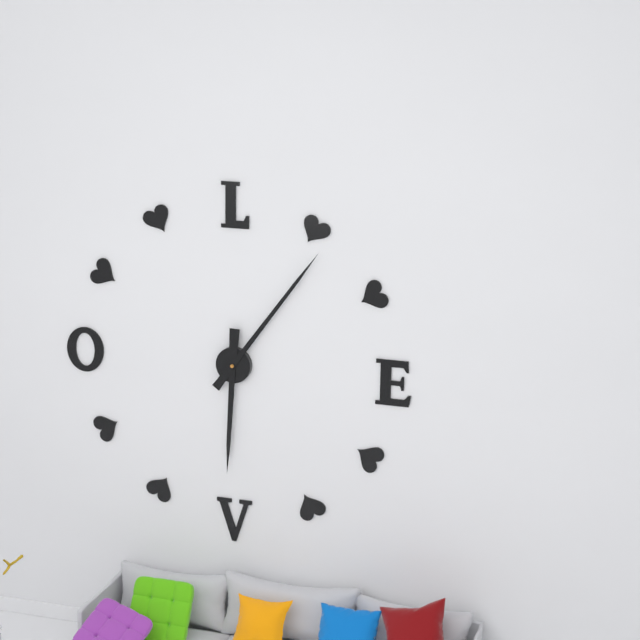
h=6 m=6
